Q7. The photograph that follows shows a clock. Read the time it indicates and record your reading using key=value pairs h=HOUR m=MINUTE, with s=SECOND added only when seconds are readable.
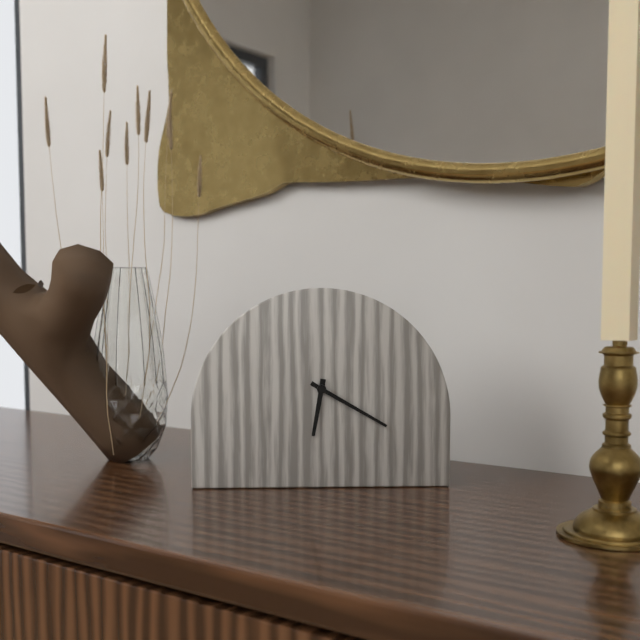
h=6 m=20
